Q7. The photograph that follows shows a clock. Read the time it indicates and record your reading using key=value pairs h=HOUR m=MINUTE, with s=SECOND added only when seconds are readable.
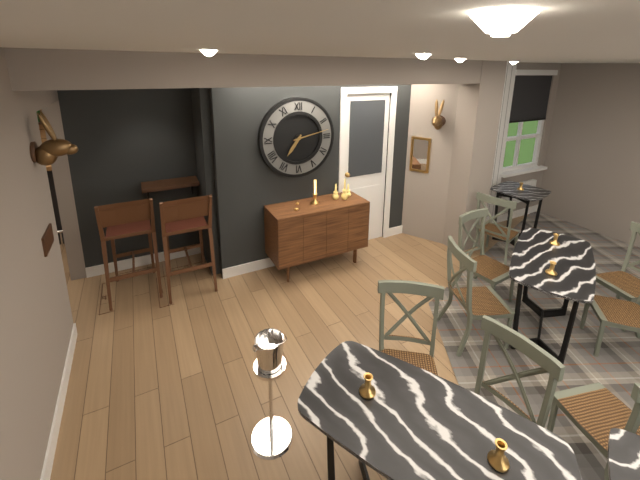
h=7 m=13
